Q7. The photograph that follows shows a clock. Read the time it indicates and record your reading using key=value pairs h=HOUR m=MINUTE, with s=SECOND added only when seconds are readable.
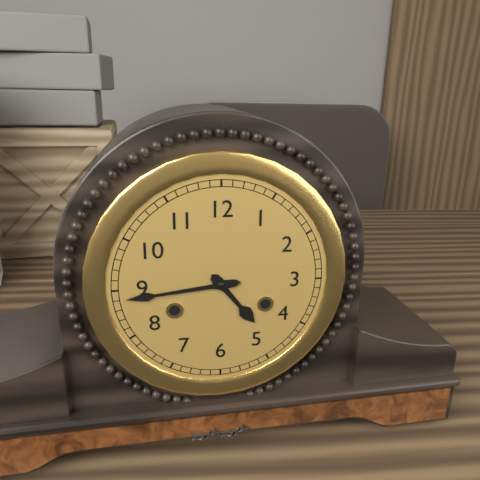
h=4 m=44
